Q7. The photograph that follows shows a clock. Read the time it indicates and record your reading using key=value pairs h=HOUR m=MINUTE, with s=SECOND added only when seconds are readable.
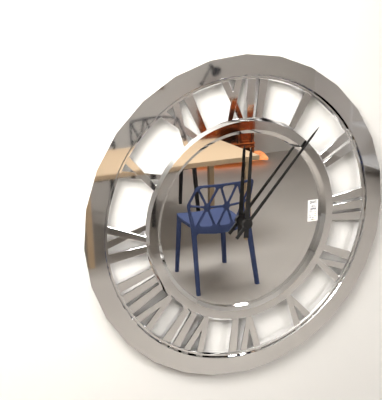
h=12 m=7
